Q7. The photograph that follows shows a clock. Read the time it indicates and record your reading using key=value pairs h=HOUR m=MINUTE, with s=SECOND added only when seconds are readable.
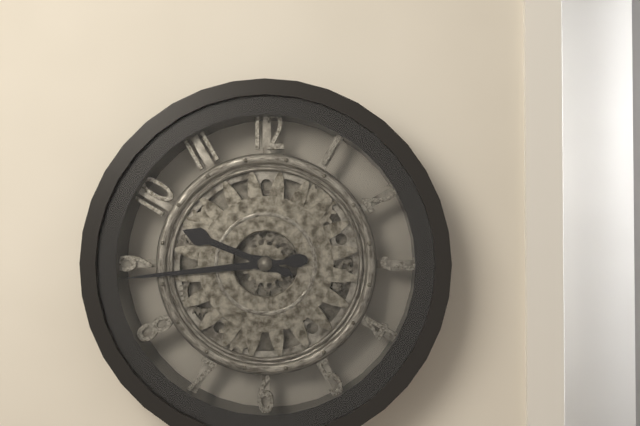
h=9 m=44
